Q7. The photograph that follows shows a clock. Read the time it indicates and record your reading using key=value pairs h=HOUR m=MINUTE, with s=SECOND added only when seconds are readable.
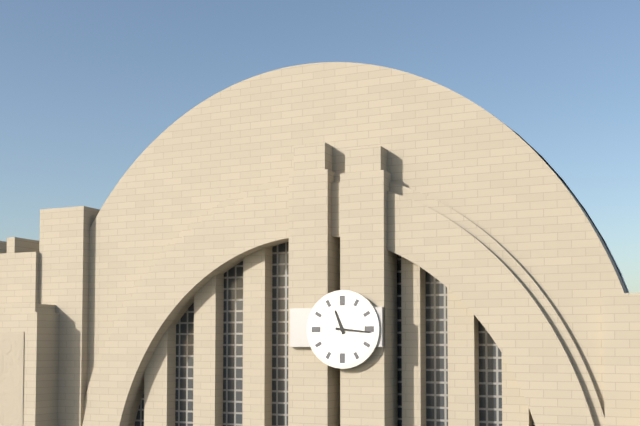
h=11 m=16
